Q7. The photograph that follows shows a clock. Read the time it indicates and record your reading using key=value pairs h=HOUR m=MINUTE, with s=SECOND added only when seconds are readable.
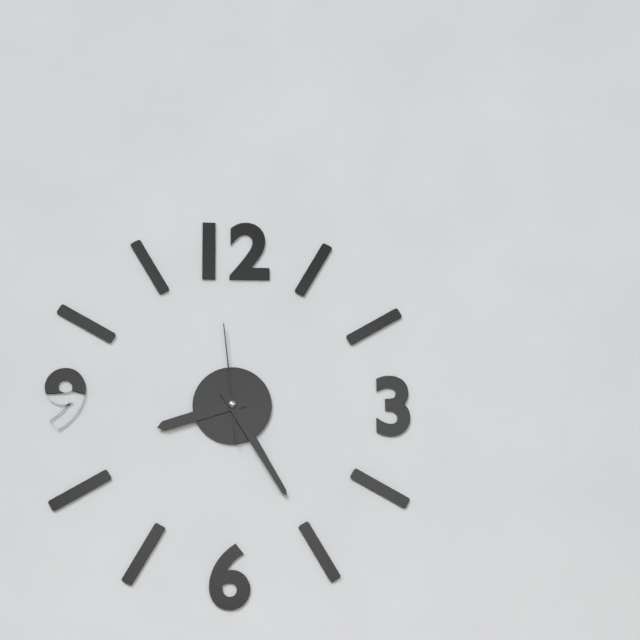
h=8 m=25 s=59
